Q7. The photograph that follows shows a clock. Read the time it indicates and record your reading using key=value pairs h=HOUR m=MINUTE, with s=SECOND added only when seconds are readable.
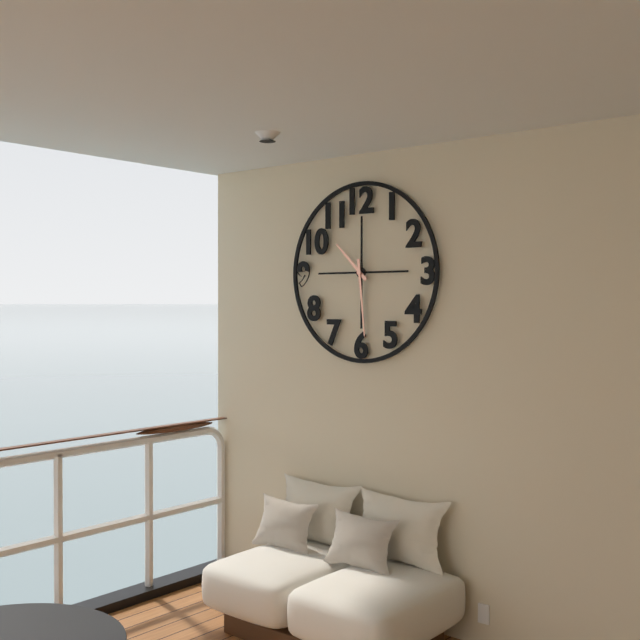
h=10 m=29
